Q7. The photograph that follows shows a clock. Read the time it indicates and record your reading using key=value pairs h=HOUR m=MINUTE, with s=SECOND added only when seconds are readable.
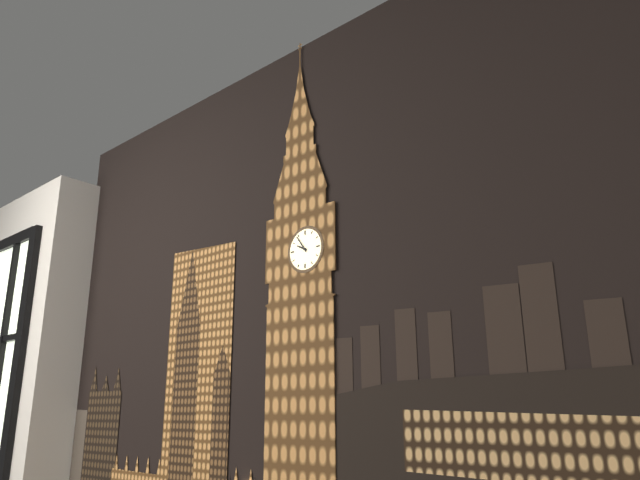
h=9 m=54
